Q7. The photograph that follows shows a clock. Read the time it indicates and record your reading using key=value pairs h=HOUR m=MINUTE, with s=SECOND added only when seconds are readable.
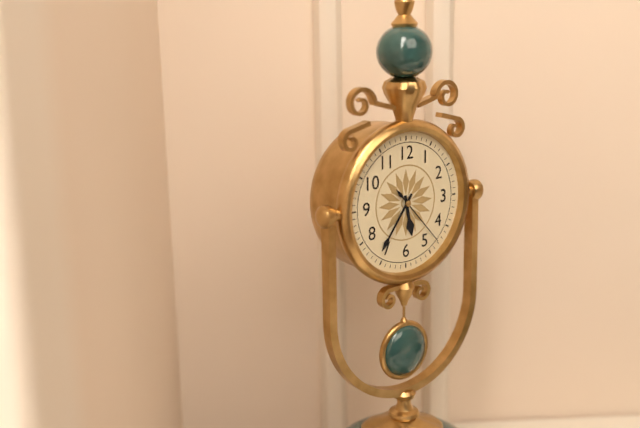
h=5 m=36 s=23
